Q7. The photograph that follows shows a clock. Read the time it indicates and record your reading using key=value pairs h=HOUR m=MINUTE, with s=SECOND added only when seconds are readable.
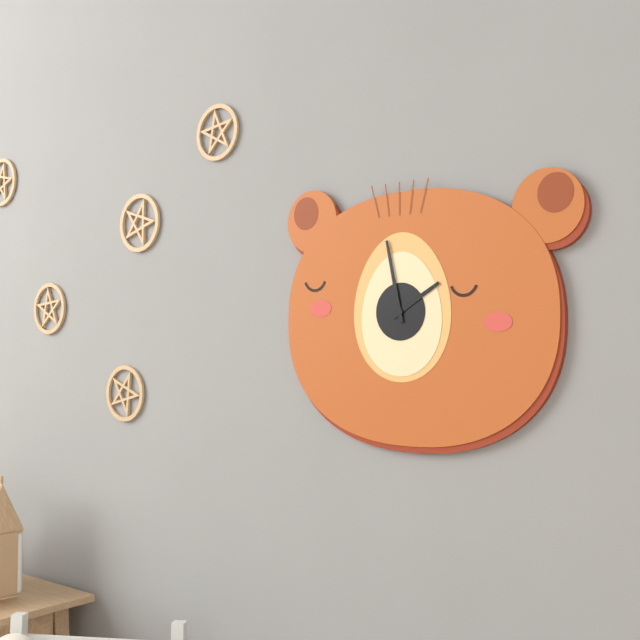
h=1 m=58
